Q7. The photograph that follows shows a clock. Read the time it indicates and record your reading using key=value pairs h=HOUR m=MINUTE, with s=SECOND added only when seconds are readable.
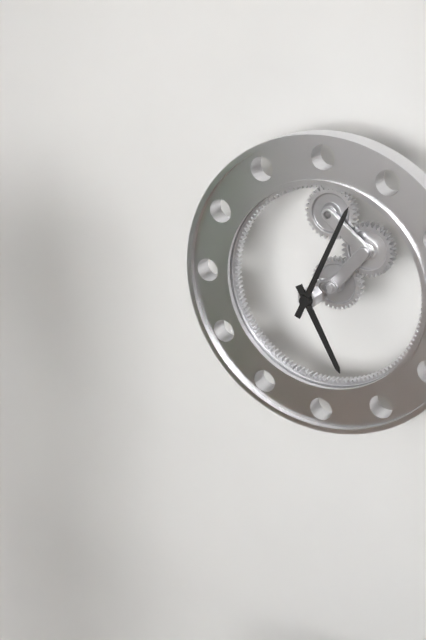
h=5 m=4
